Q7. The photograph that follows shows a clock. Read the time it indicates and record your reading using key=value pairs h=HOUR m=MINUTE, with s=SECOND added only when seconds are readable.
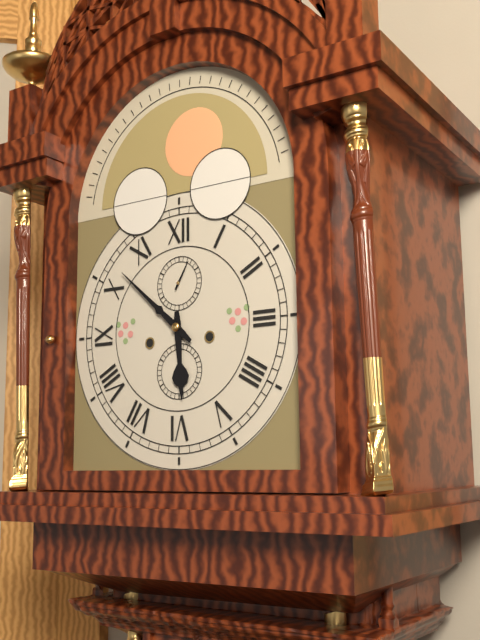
h=5 m=52
